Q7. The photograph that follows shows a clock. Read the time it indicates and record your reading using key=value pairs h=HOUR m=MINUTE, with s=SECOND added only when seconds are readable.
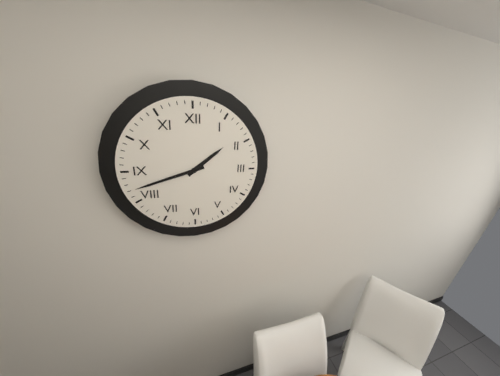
h=1 m=42
